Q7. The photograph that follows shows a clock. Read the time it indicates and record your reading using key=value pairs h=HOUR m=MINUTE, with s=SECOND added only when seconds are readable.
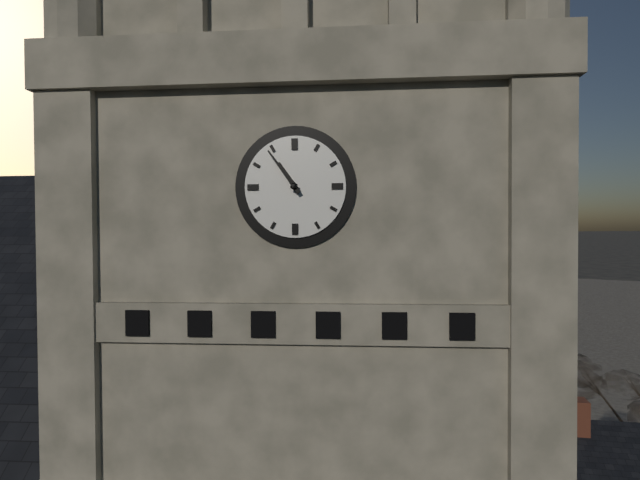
h=10 m=54
